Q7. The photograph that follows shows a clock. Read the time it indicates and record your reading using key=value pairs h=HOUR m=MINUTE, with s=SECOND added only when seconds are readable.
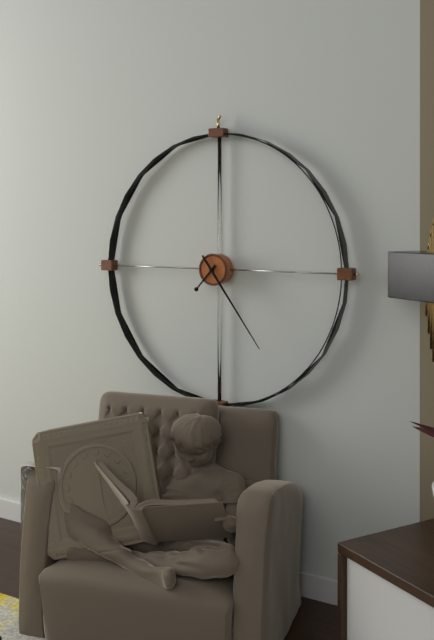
h=7 m=24
